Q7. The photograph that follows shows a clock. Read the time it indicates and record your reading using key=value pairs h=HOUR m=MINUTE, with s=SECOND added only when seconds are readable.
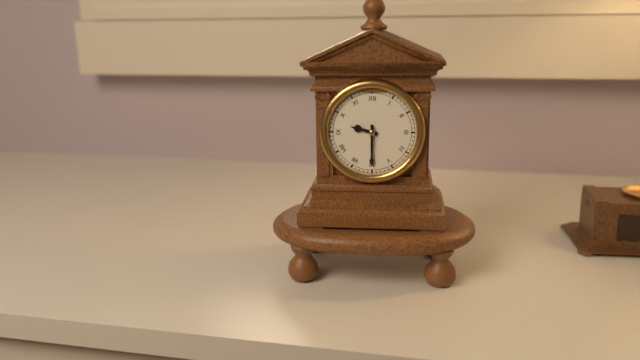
h=9 m=30
